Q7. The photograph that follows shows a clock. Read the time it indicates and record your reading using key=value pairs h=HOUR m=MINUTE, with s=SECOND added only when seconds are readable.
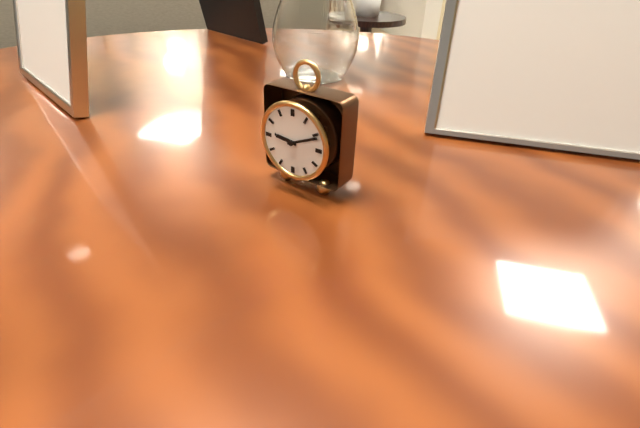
h=9 m=11
